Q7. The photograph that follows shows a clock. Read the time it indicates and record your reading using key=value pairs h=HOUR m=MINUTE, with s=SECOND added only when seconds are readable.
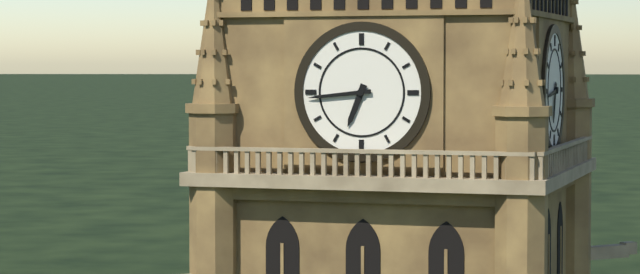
h=6 m=44
